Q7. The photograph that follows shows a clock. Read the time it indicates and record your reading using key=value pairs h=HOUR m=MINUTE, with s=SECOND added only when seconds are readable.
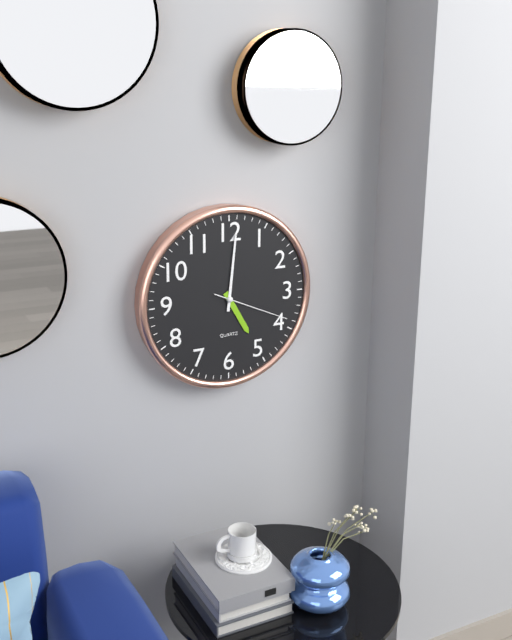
h=5 m=1 s=19
